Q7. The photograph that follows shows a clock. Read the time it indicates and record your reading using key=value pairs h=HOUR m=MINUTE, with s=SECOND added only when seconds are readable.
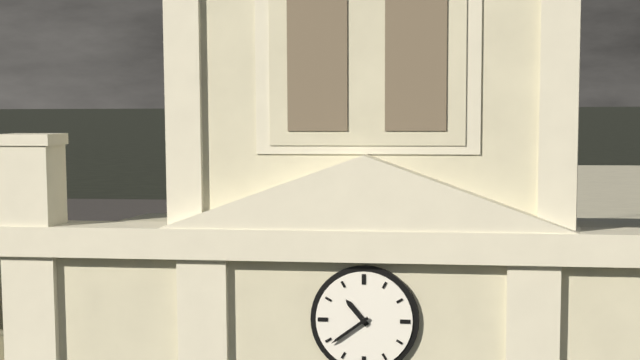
h=10 m=39
